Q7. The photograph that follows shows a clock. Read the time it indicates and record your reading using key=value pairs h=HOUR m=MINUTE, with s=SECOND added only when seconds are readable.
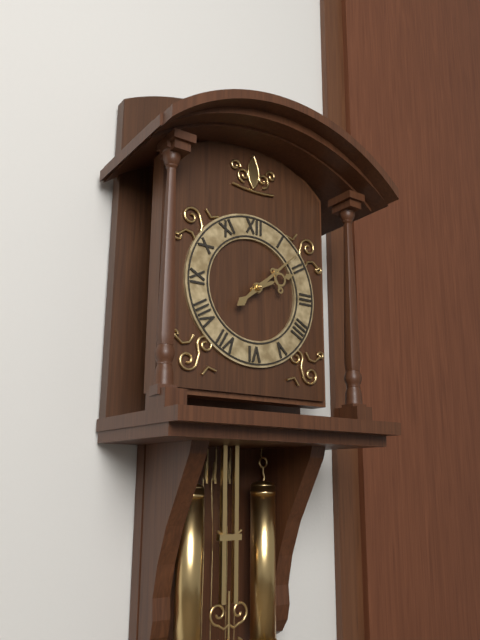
h=2 m=8
